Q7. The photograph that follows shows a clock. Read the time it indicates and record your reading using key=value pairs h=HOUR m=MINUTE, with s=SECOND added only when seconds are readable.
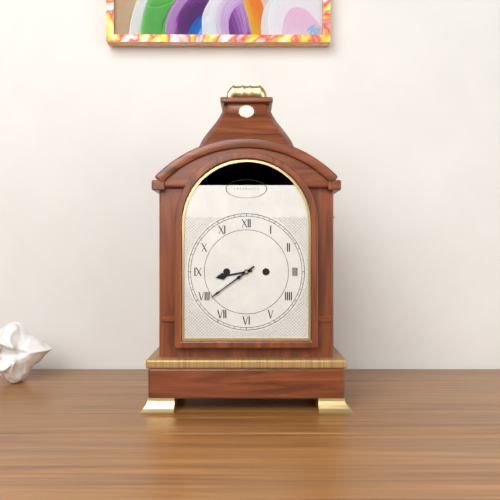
h=8 m=39
